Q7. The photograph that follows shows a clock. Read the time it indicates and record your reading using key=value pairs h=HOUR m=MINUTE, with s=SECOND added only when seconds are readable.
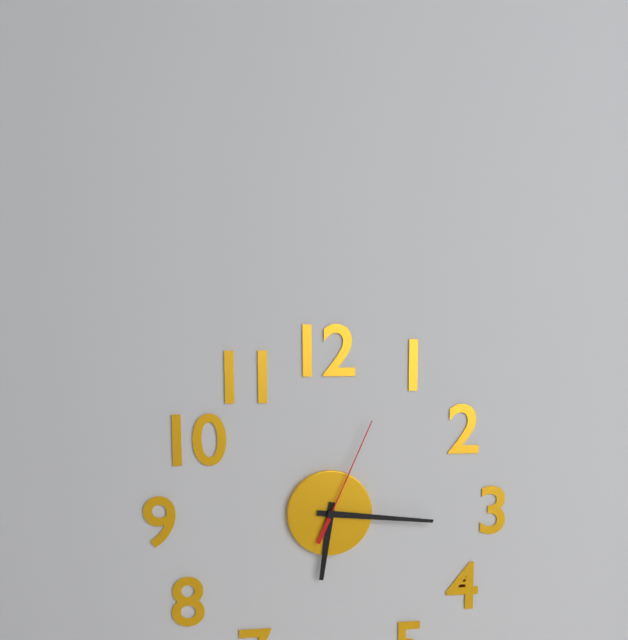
h=6 m=16 s=4
